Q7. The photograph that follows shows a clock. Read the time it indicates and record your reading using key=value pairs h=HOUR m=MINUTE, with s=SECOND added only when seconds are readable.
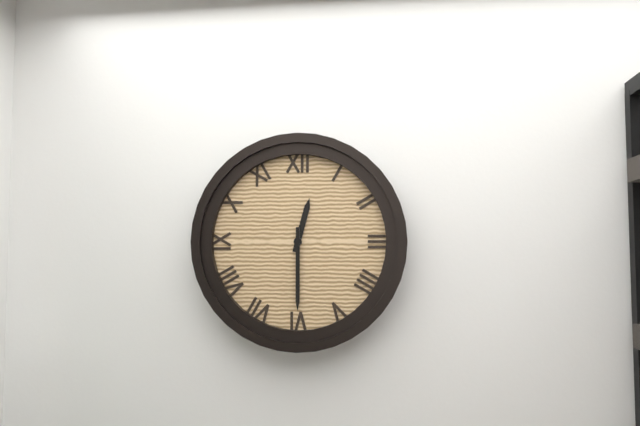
h=12 m=30
